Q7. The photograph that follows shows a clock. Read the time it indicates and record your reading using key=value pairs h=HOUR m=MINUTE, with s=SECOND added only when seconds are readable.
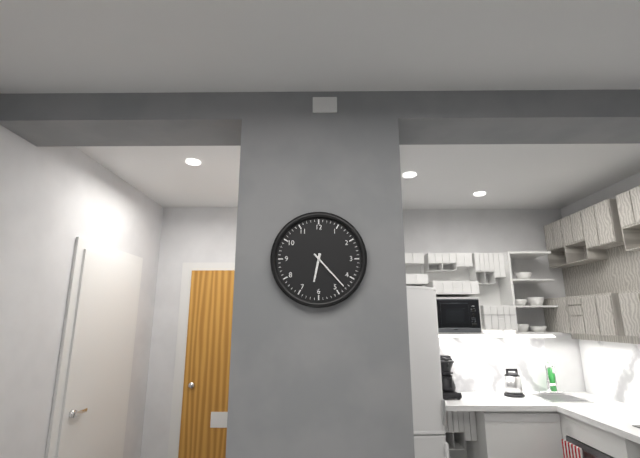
h=6 m=23
